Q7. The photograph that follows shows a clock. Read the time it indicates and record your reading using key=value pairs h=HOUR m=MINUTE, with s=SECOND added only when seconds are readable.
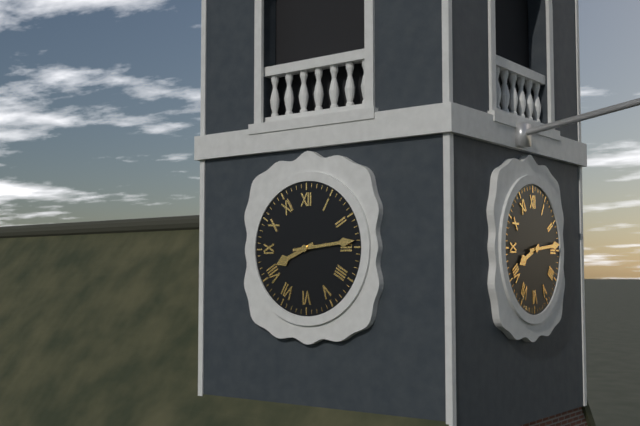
h=8 m=14
